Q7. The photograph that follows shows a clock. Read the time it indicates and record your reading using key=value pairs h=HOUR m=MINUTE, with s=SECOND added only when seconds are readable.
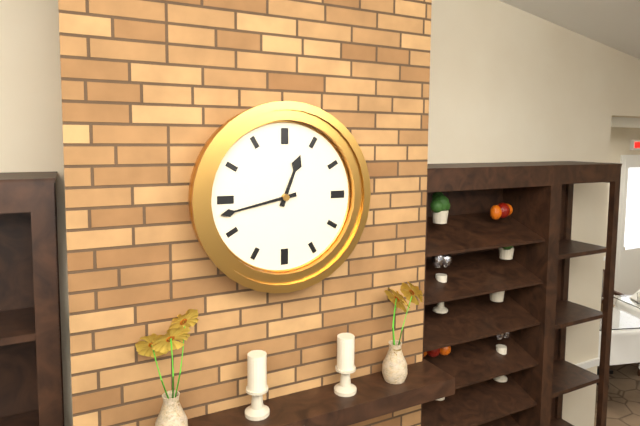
h=12 m=43
